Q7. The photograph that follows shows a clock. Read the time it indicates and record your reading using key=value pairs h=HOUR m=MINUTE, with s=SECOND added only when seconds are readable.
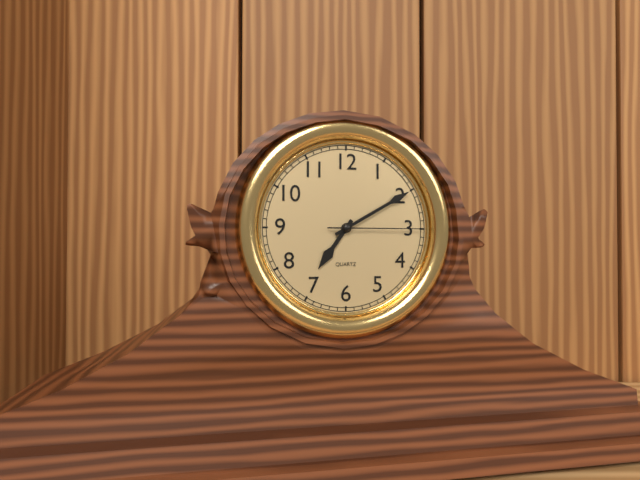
h=7 m=10 s=15
